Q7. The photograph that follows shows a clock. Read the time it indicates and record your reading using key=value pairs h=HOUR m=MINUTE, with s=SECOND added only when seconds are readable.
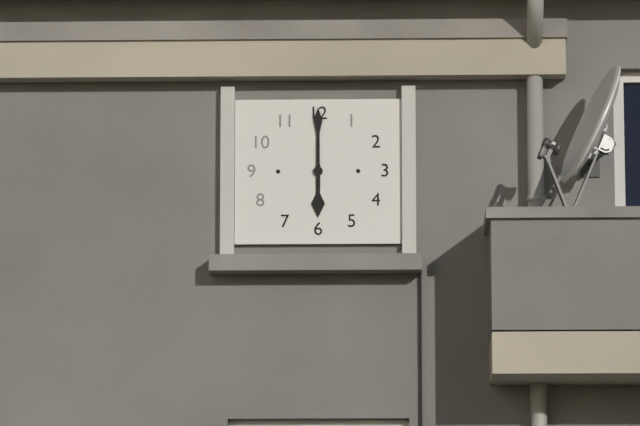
h=6 m=0
